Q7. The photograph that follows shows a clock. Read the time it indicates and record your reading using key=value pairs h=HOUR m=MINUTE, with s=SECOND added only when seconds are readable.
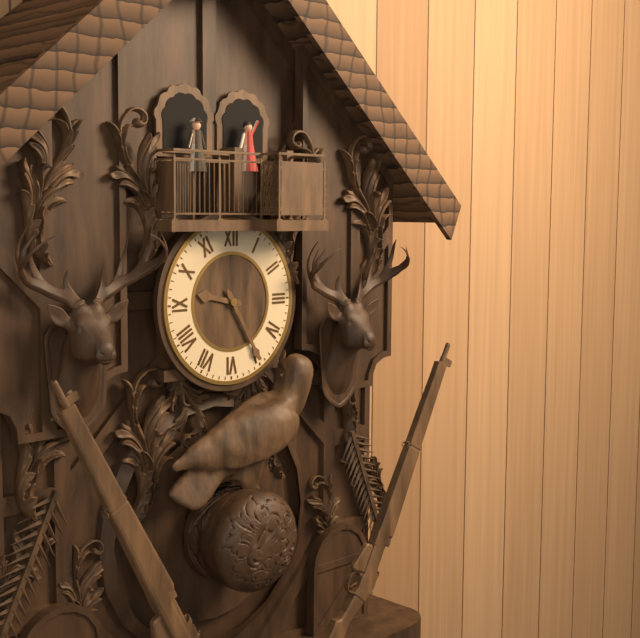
h=9 m=25
